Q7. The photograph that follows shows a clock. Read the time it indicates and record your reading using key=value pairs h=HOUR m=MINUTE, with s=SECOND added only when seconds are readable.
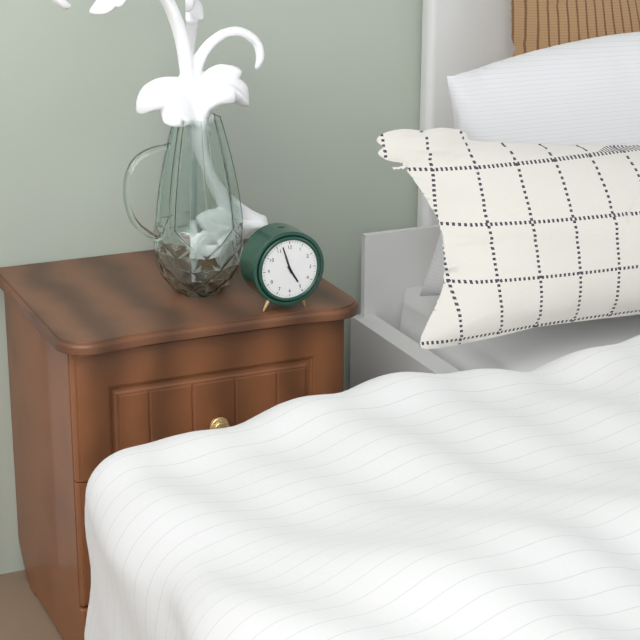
h=4 m=57
